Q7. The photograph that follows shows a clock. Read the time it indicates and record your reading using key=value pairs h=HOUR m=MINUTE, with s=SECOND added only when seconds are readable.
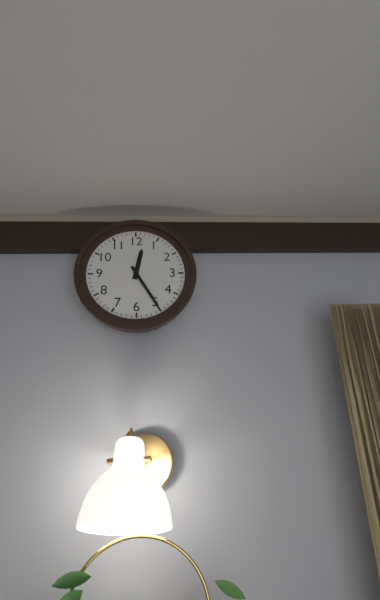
h=12 m=25
